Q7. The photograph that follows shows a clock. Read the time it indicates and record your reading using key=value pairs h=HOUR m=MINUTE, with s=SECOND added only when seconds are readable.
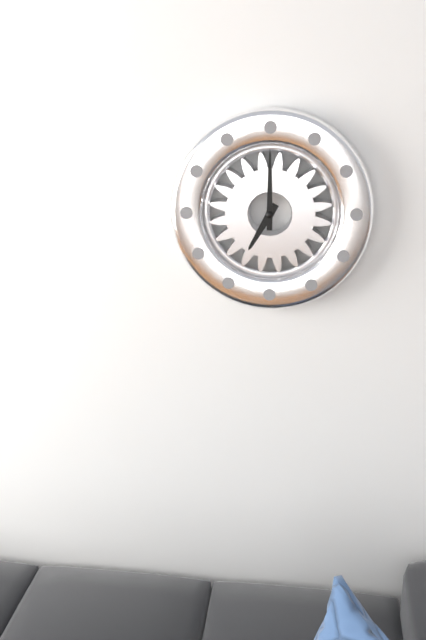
h=7 m=0
